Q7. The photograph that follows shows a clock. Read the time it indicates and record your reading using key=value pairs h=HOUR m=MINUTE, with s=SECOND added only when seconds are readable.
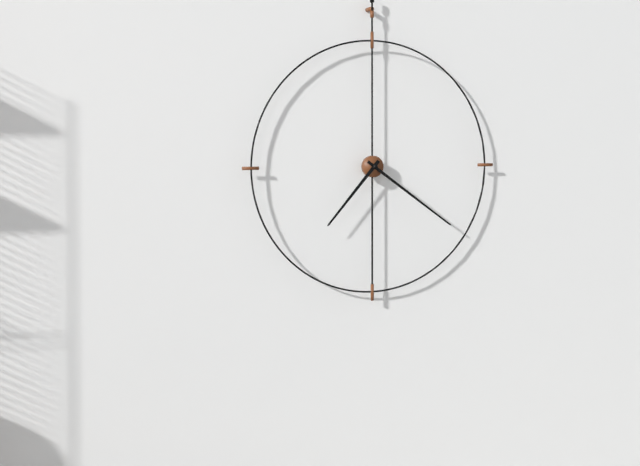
h=7 m=21
